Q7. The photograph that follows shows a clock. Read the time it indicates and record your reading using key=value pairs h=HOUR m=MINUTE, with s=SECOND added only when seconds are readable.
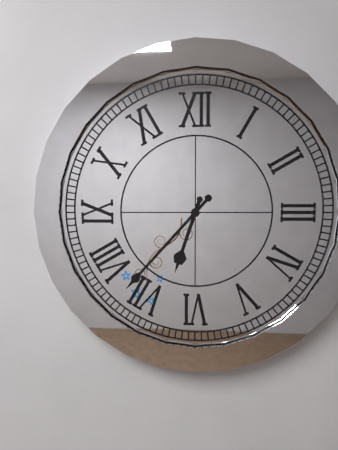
h=6 m=37
